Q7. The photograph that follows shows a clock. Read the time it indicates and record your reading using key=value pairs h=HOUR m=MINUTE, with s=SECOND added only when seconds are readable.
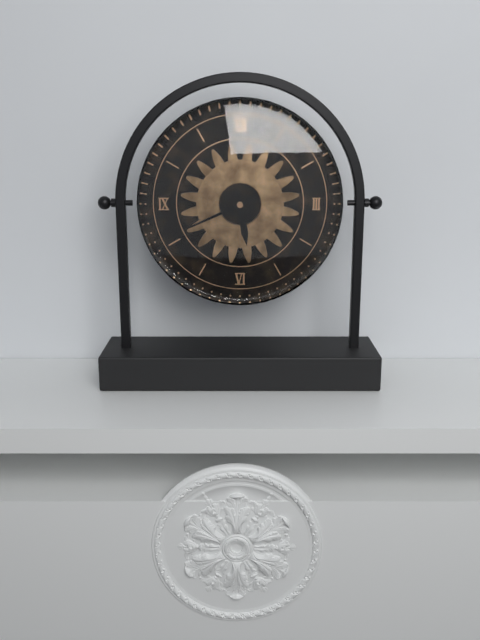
h=5 m=41
